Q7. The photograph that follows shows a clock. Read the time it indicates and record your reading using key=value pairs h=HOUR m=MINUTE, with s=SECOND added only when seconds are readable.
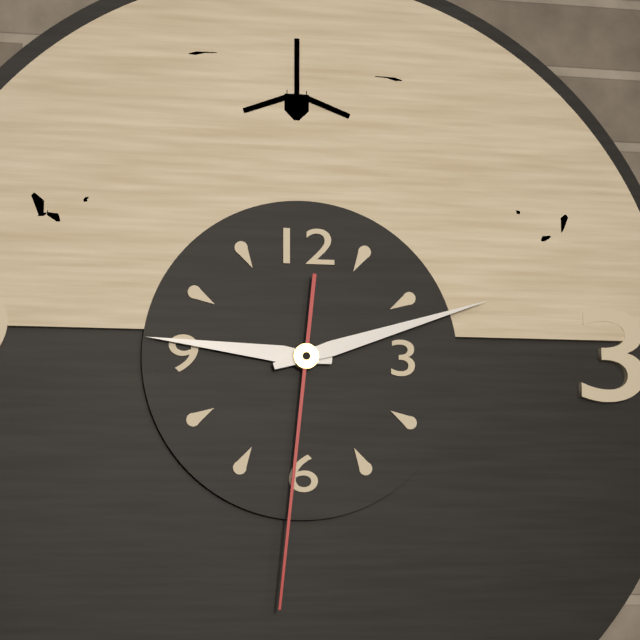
h=9 m=12 s=31
